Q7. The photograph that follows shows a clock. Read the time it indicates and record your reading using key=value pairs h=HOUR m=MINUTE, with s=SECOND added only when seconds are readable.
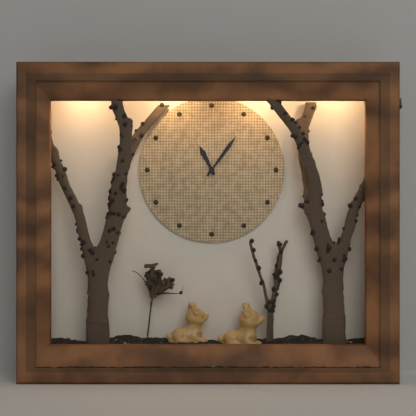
h=11 m=6
